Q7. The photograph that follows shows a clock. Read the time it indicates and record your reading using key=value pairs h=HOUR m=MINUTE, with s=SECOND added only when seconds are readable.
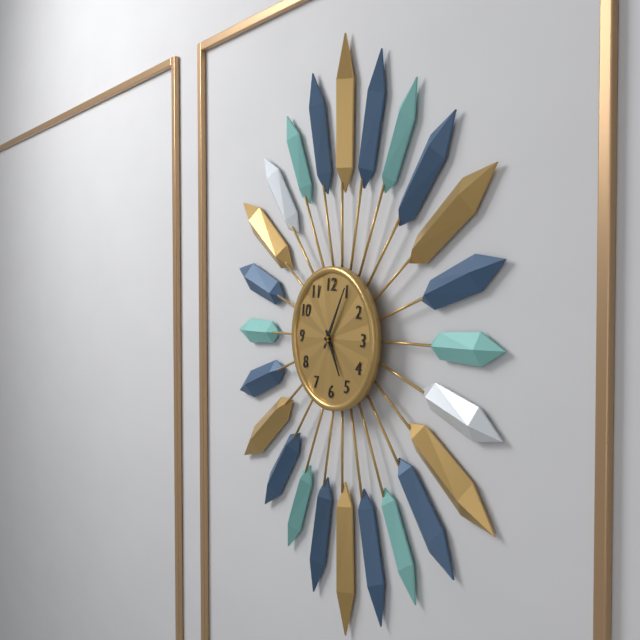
h=5 m=5
